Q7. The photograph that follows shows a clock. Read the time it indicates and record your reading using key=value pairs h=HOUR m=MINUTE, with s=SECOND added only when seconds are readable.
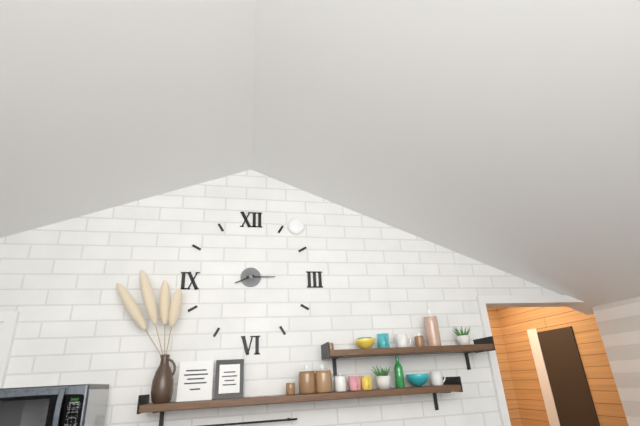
h=8 m=15
